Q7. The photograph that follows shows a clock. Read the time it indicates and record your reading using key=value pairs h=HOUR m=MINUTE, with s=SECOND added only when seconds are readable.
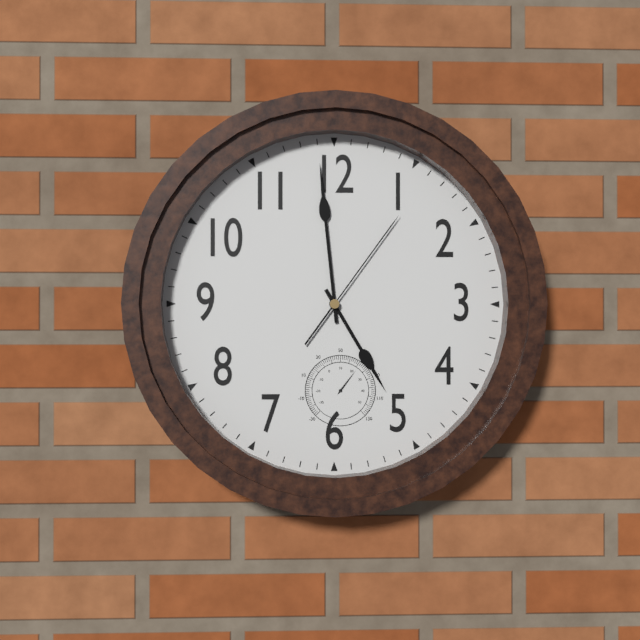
h=4 m=59 s=6
